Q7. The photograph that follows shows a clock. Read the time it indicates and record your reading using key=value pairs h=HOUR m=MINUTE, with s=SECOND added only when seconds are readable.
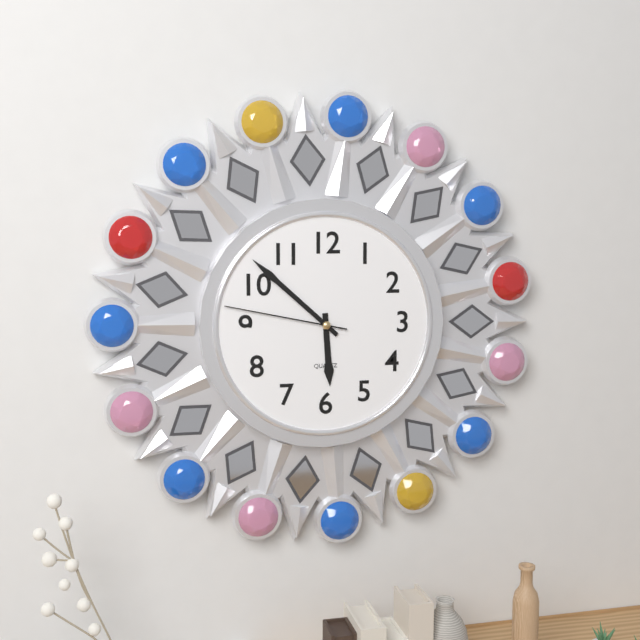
h=5 m=52 s=47
